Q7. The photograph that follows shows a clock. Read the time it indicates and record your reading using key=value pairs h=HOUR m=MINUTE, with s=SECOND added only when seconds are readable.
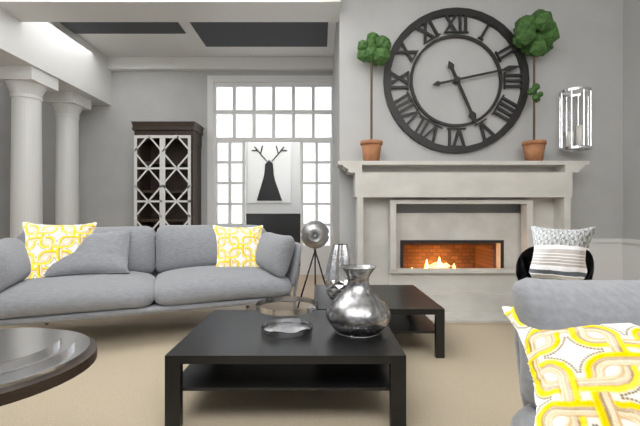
h=5 m=13
